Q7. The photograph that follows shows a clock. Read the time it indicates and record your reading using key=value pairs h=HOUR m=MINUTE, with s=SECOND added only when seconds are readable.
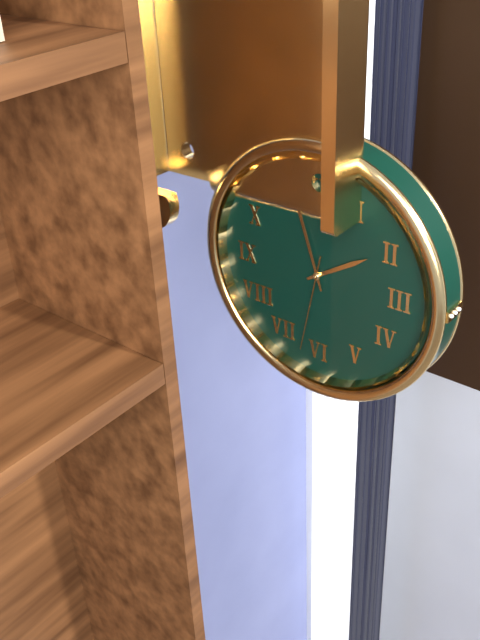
h=1 m=57 s=32
